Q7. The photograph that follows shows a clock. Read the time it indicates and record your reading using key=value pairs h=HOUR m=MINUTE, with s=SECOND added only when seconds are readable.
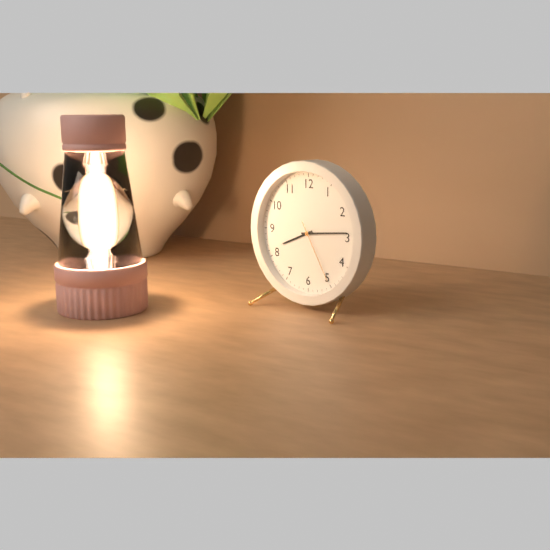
h=8 m=14 s=25
